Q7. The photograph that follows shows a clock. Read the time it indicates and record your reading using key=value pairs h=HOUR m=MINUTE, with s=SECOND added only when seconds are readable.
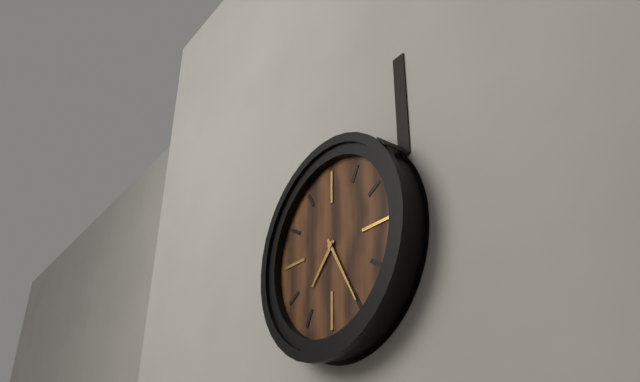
h=7 m=25
